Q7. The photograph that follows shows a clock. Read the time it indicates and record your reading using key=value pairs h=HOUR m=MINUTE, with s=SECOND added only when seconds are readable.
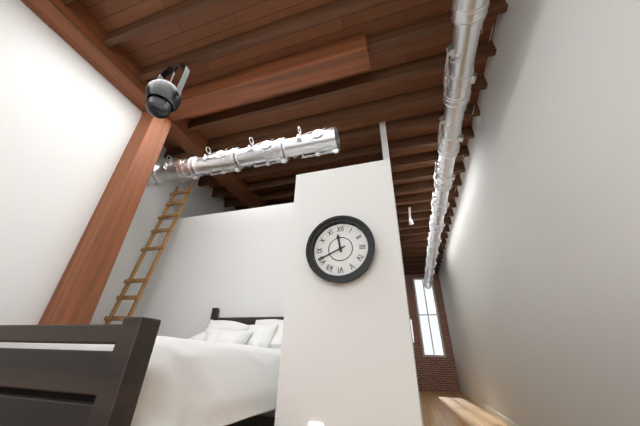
h=11 m=41
